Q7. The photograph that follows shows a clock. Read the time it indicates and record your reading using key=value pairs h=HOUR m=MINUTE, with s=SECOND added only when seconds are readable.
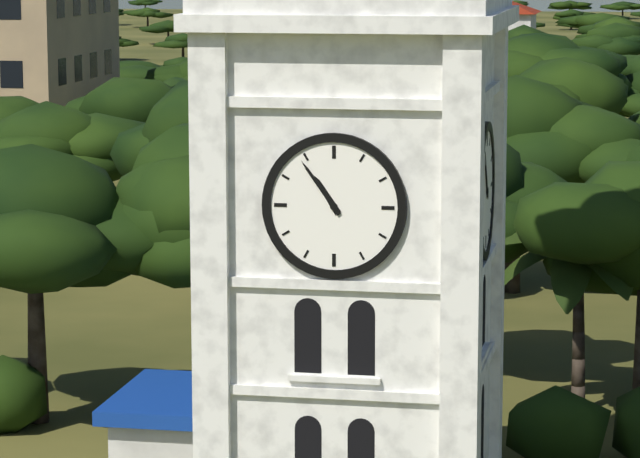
h=10 m=54
